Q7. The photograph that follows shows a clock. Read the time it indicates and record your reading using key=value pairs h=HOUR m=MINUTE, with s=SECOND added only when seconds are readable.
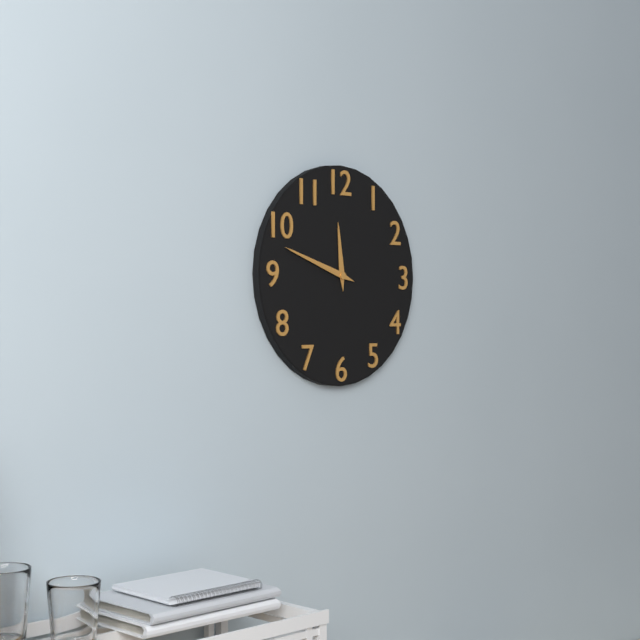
h=11 m=48
